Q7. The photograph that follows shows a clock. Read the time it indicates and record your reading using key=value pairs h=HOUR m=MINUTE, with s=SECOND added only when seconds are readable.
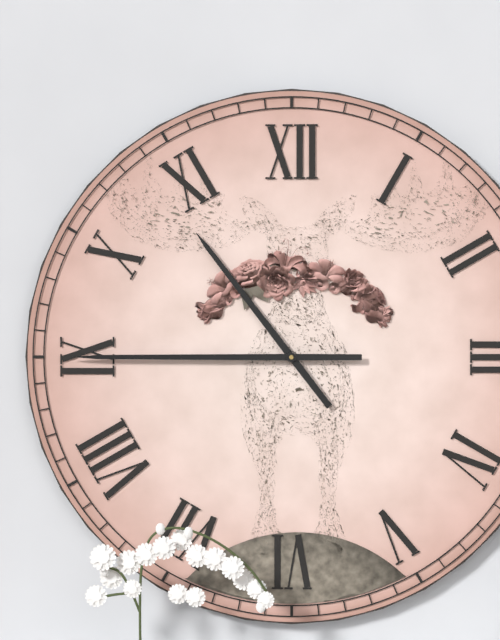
h=10 m=45
